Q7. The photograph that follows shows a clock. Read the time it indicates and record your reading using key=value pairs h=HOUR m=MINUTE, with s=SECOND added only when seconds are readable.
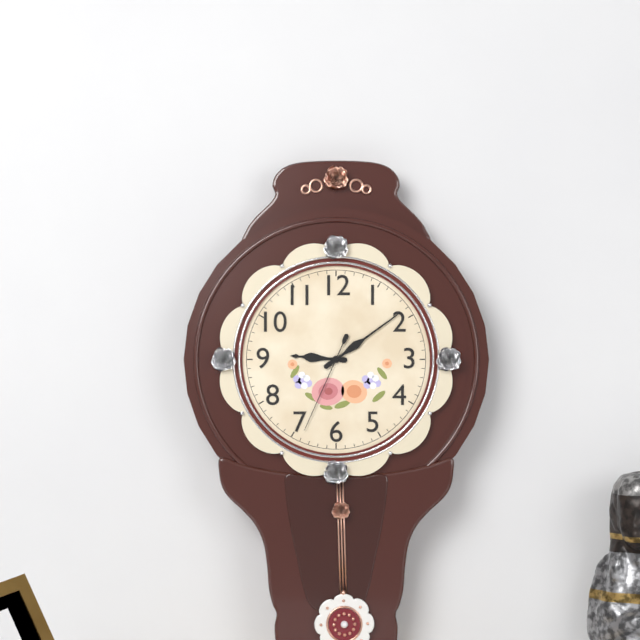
h=9 m=9 s=34
